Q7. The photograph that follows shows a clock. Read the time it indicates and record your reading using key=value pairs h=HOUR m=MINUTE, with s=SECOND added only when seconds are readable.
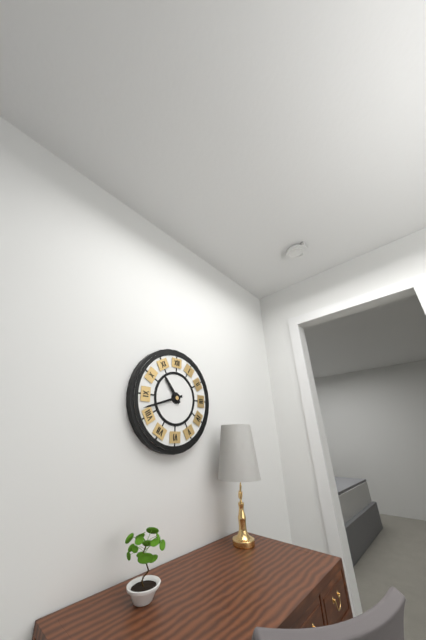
h=10 m=42
